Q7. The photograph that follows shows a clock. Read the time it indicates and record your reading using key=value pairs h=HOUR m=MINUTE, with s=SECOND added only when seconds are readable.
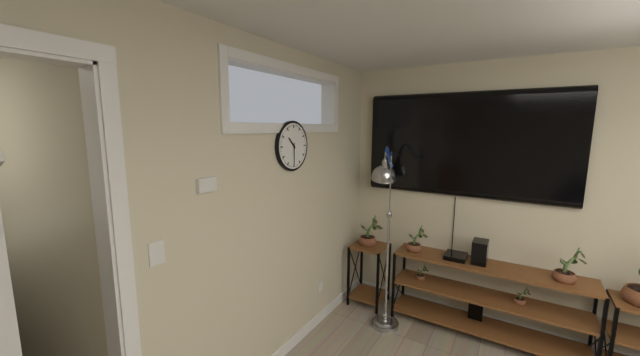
h=10 m=30
